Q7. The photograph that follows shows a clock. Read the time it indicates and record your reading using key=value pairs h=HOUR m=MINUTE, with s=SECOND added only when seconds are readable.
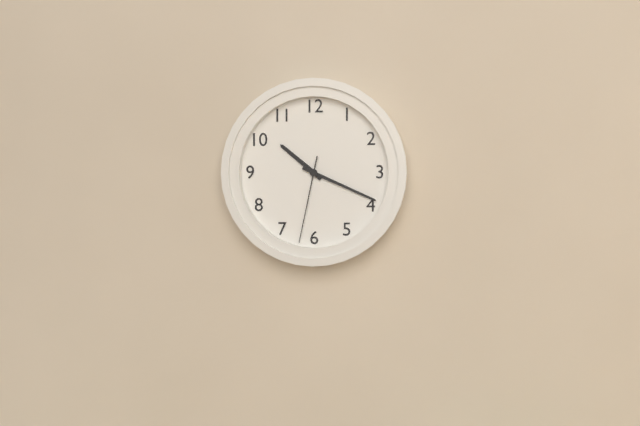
h=10 m=19 s=32
